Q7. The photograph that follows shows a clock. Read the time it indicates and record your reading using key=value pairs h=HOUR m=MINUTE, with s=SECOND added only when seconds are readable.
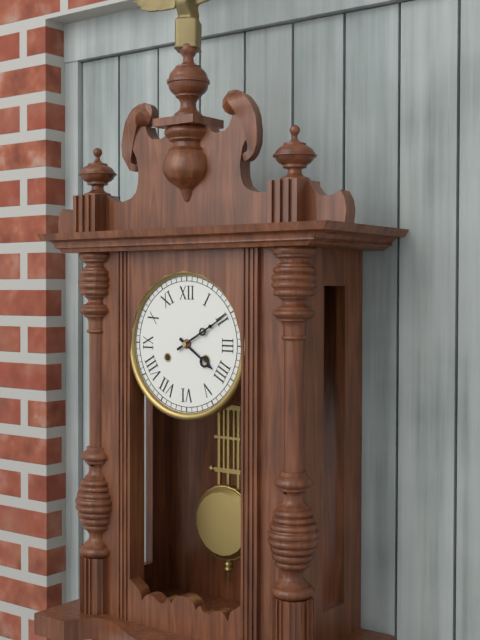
h=4 m=10
